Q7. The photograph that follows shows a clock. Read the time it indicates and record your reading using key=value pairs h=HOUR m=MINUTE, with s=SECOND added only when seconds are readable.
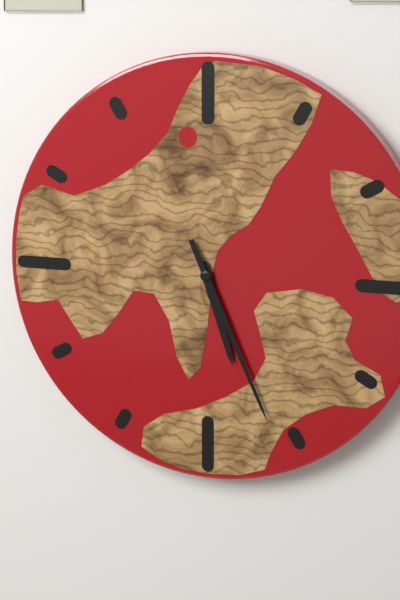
h=5 m=26
